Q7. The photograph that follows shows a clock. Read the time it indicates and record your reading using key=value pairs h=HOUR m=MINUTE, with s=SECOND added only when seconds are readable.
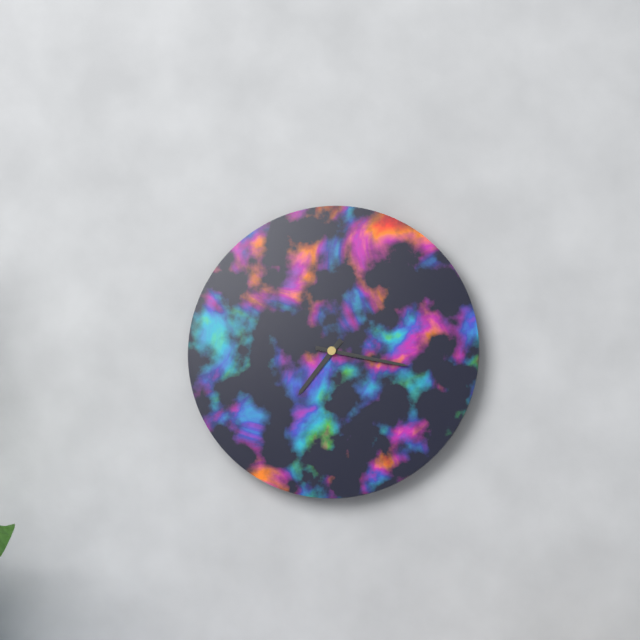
h=7 m=17
